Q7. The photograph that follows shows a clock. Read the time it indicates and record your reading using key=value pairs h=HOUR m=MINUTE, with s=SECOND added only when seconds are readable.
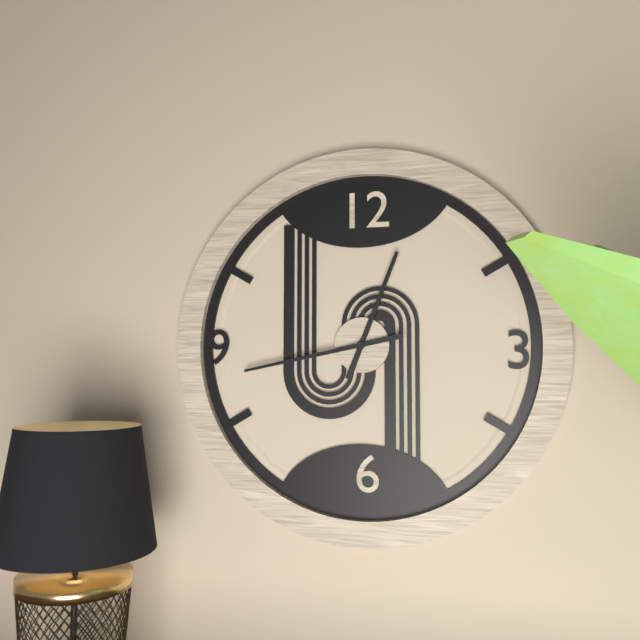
h=12 m=43
